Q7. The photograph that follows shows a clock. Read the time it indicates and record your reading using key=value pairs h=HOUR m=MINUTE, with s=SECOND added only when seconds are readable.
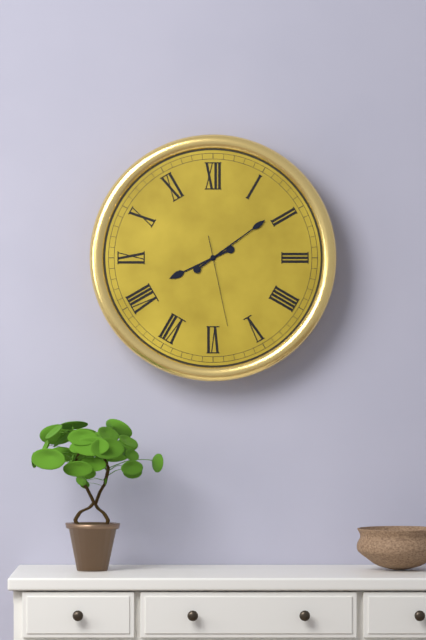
h=8 m=9 s=28
